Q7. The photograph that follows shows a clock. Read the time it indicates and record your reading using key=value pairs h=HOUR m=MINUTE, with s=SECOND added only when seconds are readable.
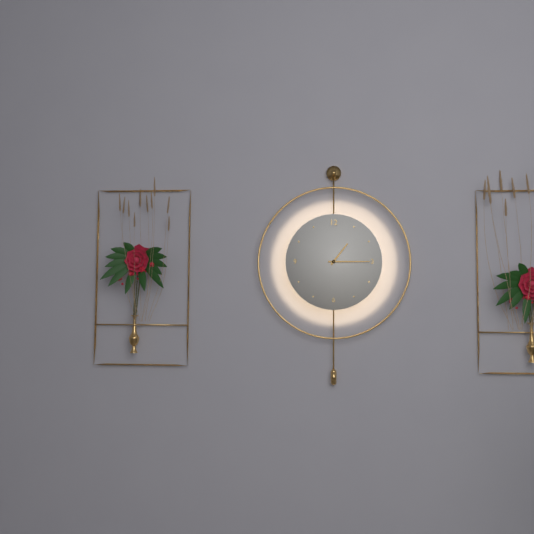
h=1 m=15
